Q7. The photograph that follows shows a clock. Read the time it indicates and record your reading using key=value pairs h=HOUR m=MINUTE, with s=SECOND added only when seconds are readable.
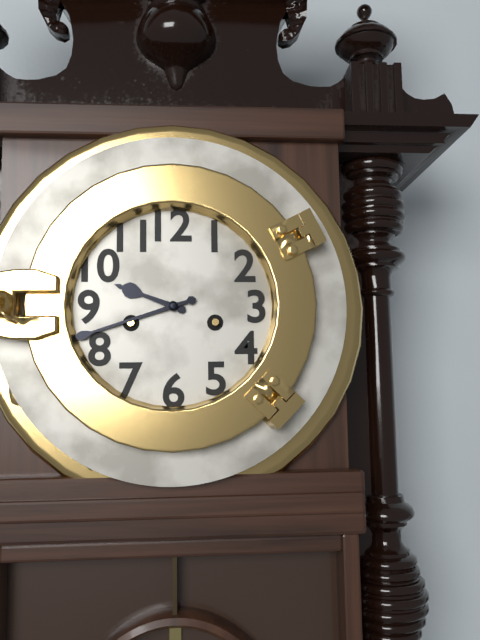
h=9 m=42
